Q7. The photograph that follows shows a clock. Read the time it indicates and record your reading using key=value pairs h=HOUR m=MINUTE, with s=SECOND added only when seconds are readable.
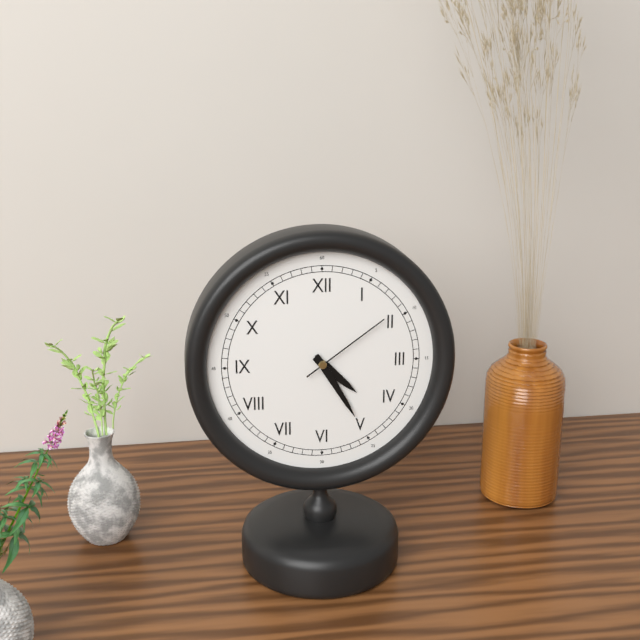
h=4 m=25 s=9
